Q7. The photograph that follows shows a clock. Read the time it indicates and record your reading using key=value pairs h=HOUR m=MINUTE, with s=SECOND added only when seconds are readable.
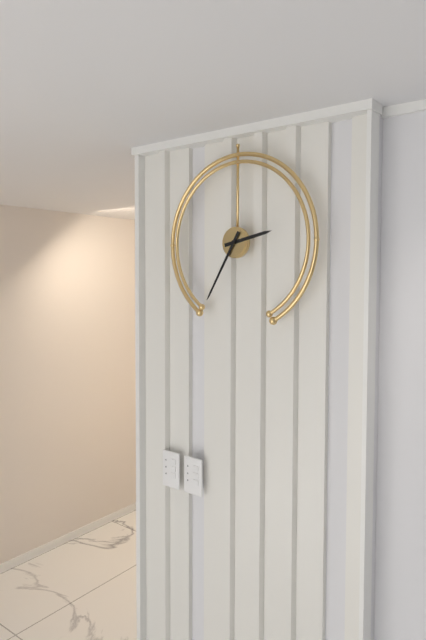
h=2 m=35
